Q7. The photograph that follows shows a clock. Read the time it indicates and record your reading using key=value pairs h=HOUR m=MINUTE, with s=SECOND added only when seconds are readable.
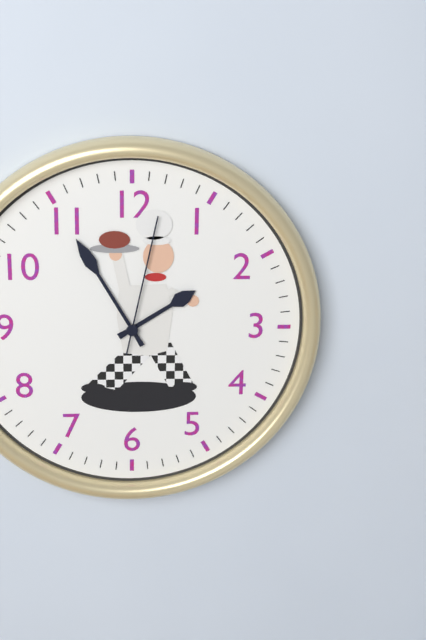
h=1 m=55 s=2
